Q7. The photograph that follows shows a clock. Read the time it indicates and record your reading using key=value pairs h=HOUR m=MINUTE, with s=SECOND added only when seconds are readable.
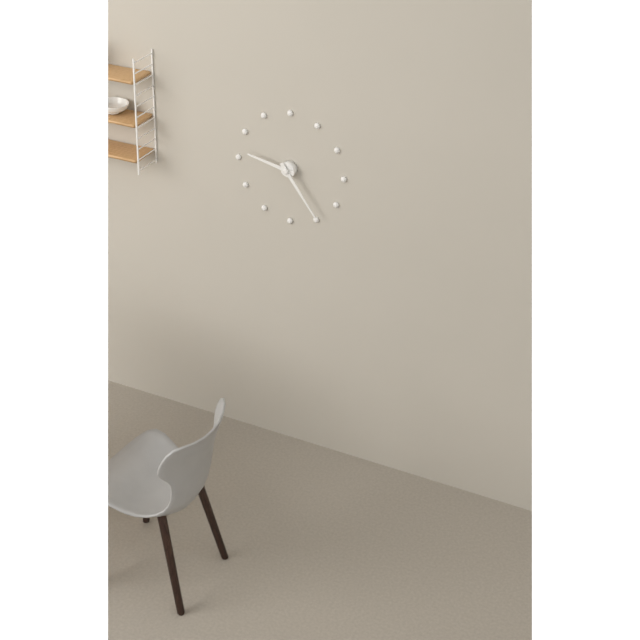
h=9 m=24
